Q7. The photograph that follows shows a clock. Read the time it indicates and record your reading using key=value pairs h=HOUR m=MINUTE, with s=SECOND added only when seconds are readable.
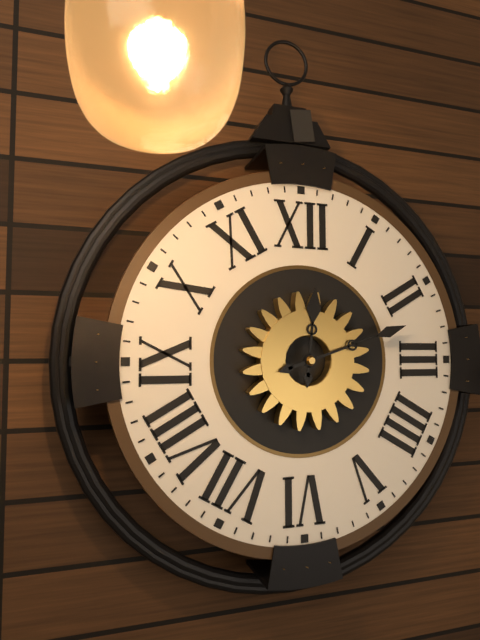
h=12 m=12
